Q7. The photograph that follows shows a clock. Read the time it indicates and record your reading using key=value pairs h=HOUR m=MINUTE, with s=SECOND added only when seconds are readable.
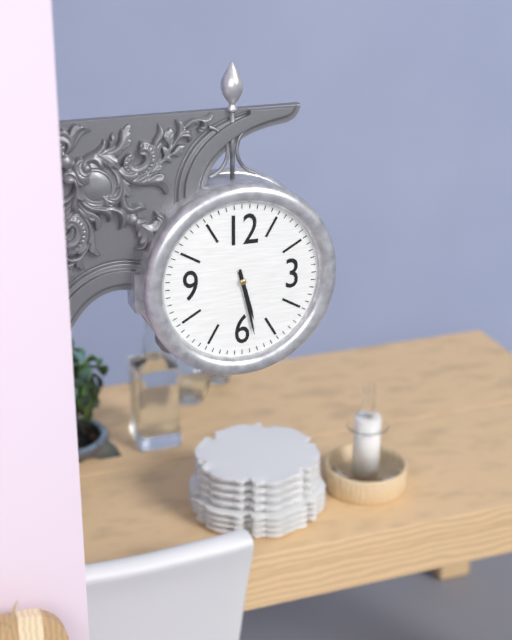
h=5 m=28
